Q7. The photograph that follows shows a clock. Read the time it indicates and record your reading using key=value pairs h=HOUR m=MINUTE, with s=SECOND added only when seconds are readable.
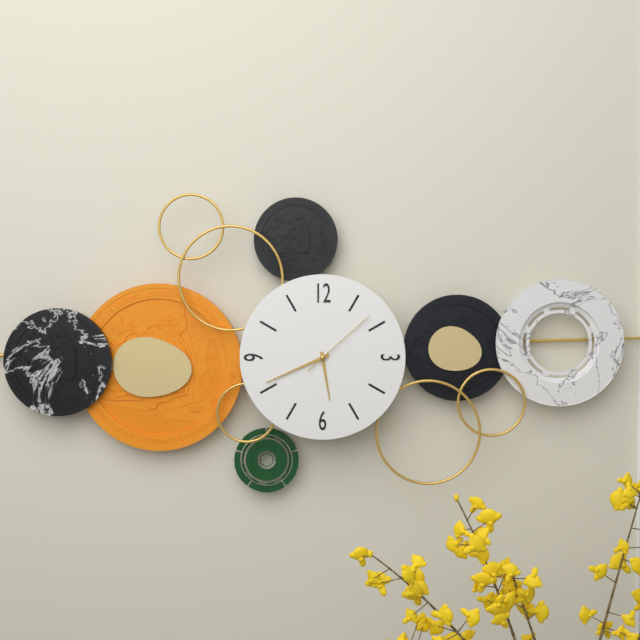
h=5 m=41 s=8
